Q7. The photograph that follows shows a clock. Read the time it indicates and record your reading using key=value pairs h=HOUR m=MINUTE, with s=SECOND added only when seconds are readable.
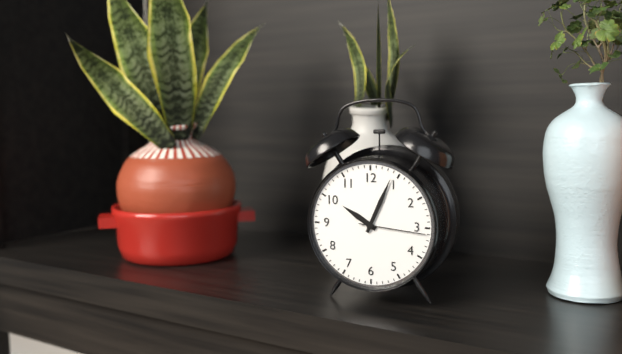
h=10 m=4 s=16
